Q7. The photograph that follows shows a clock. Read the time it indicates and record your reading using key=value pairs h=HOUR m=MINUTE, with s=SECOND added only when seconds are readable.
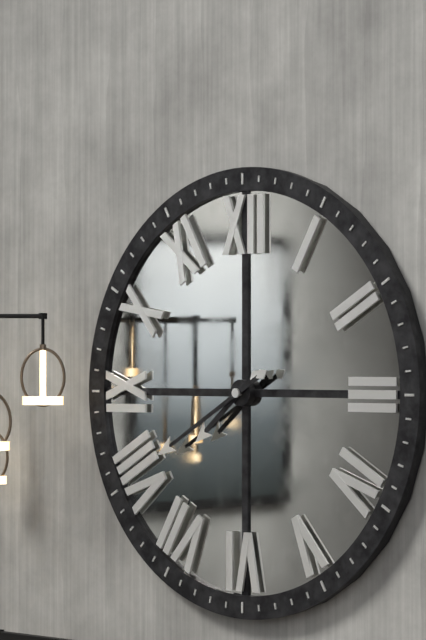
h=7 m=40
